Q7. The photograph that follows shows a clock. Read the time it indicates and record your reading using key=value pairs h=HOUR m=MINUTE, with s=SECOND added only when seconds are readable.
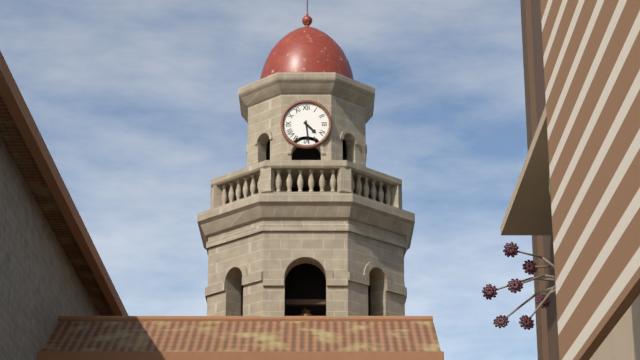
h=4 m=29
